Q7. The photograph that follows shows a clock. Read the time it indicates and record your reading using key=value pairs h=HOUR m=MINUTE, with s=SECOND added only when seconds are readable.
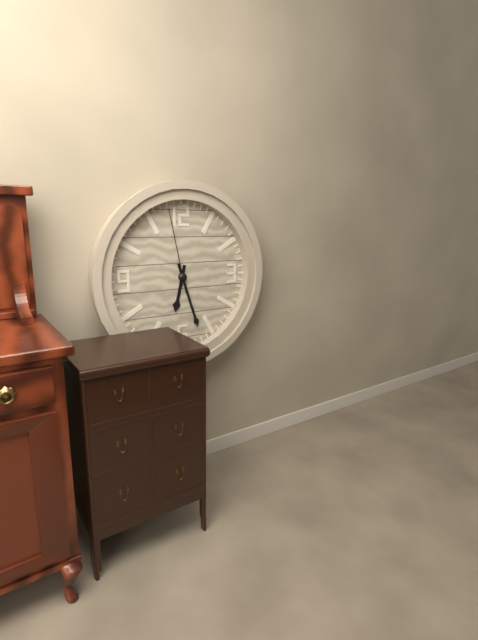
h=6 m=27 s=58
